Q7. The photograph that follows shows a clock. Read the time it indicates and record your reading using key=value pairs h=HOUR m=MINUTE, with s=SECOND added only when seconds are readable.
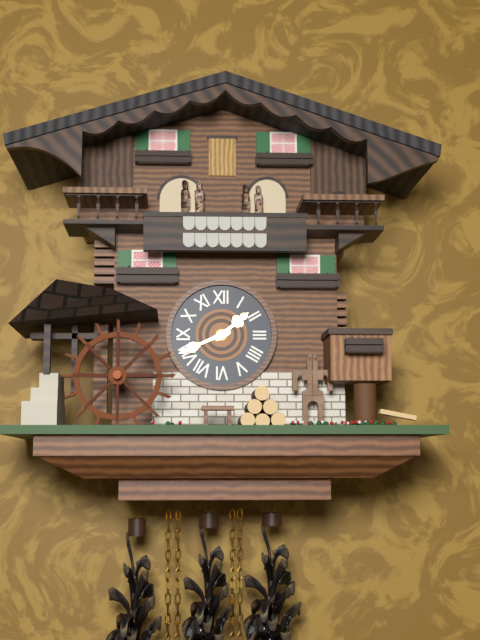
h=1 m=41
